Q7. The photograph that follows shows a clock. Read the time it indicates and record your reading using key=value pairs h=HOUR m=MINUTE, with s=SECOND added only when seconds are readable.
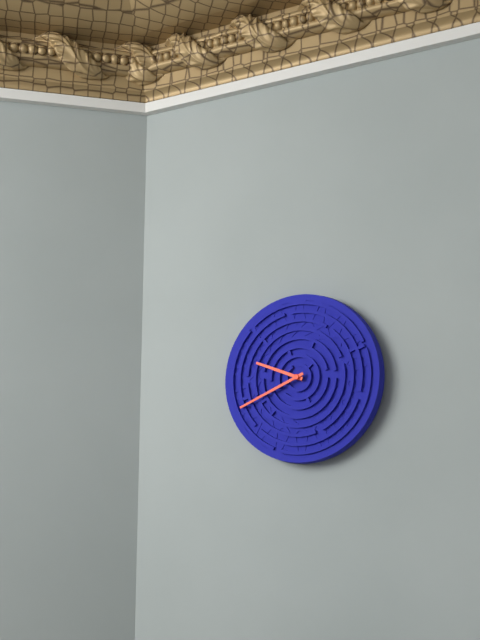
h=9 m=41
